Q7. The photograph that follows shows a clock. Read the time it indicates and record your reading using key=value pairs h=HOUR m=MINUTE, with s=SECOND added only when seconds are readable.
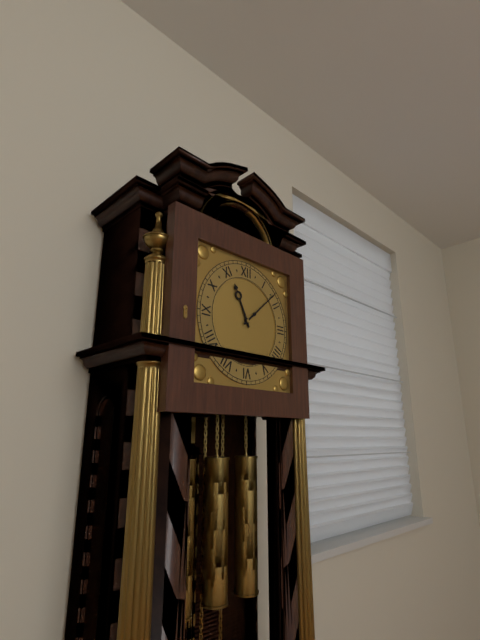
h=11 m=8
